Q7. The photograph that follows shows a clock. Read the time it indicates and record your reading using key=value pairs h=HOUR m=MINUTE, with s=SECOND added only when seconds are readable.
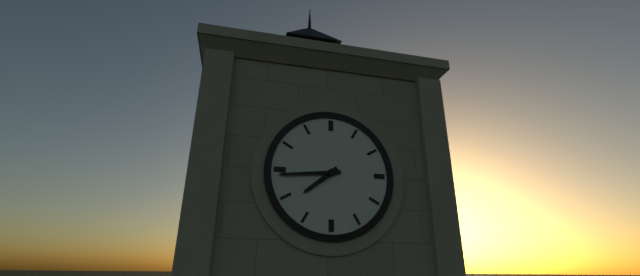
h=7 m=44
